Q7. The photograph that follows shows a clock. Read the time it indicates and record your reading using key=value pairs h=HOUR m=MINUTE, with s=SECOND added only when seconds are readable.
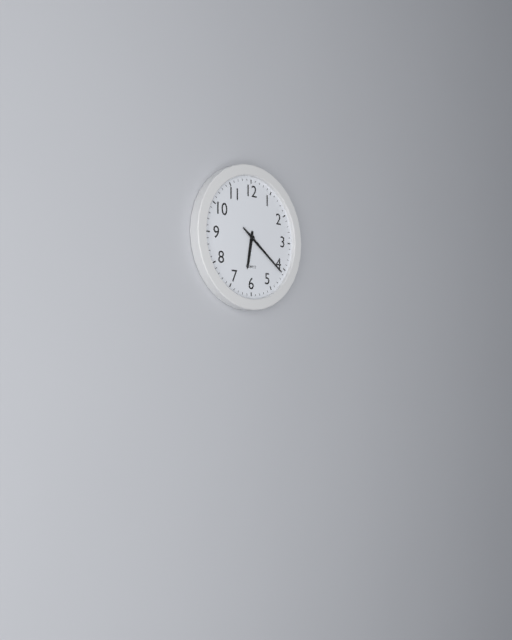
h=6 m=21
